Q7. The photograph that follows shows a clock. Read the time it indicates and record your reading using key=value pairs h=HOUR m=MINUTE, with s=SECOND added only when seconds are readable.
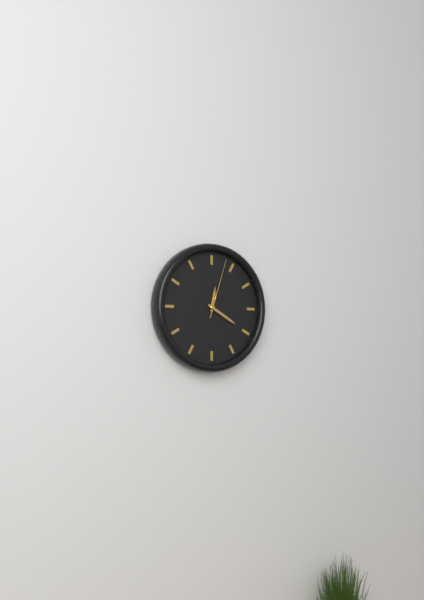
h=12 m=20 s=3
